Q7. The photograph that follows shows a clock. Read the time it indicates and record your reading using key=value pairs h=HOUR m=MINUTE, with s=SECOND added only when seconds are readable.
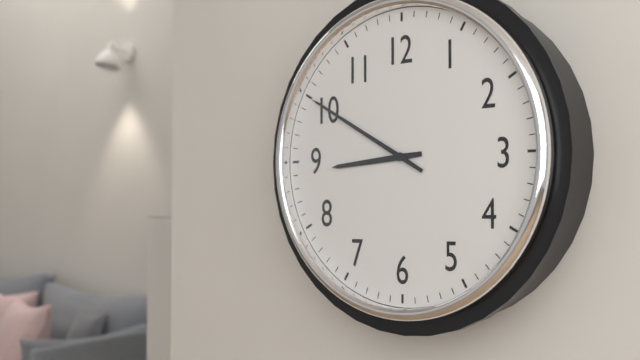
h=8 m=50
